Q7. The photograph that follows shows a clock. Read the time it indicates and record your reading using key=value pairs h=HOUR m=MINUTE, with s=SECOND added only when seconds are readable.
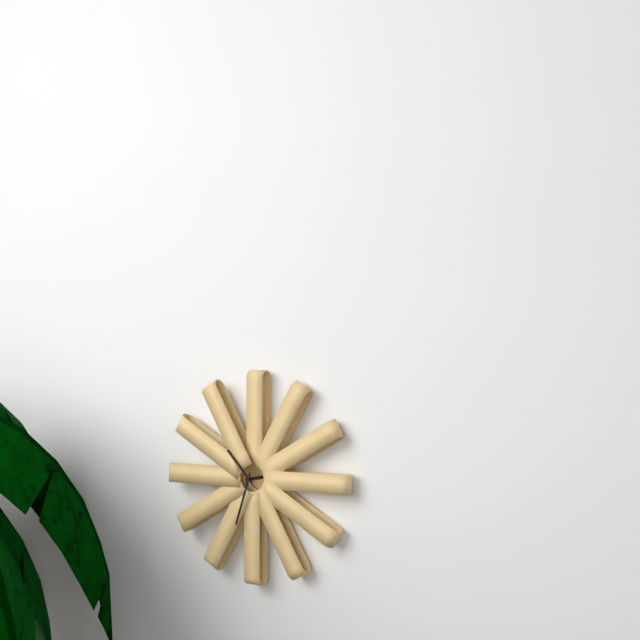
h=10 m=33
